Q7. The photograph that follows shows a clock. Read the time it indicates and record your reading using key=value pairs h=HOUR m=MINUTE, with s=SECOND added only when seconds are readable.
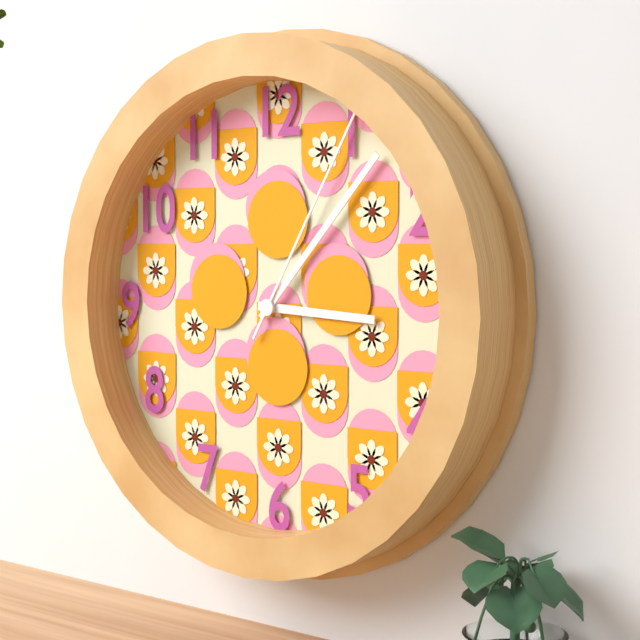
h=3 m=7 s=5
